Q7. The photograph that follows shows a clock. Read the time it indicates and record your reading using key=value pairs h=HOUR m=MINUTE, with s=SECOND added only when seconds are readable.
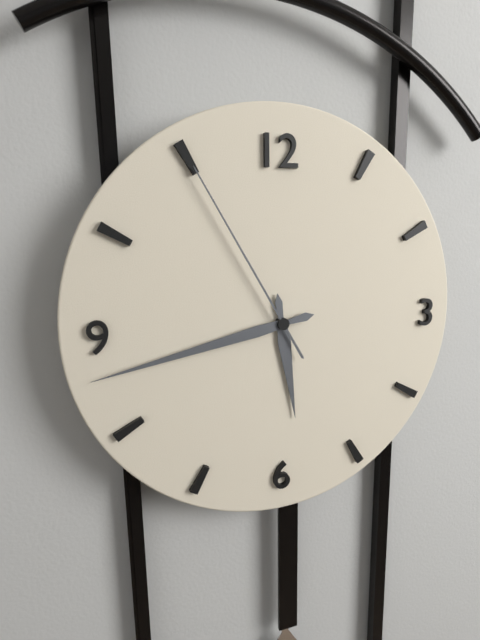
h=5 m=43 s=55
